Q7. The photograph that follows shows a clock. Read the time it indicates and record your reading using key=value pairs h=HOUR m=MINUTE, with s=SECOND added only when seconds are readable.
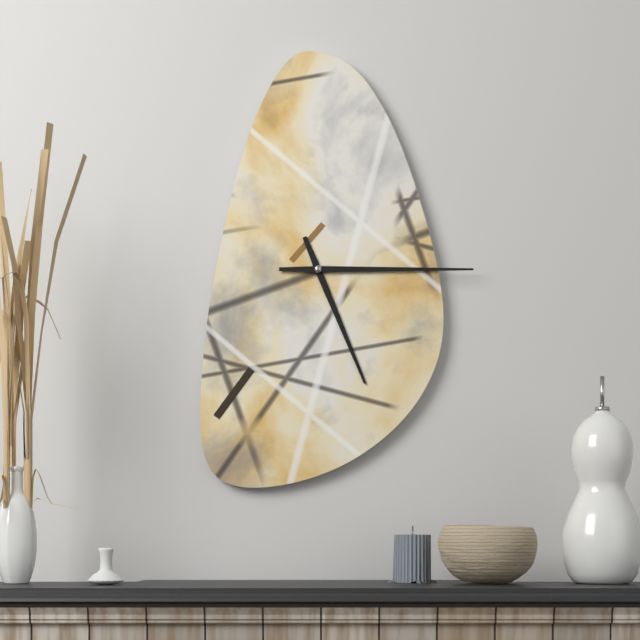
h=5 m=15
